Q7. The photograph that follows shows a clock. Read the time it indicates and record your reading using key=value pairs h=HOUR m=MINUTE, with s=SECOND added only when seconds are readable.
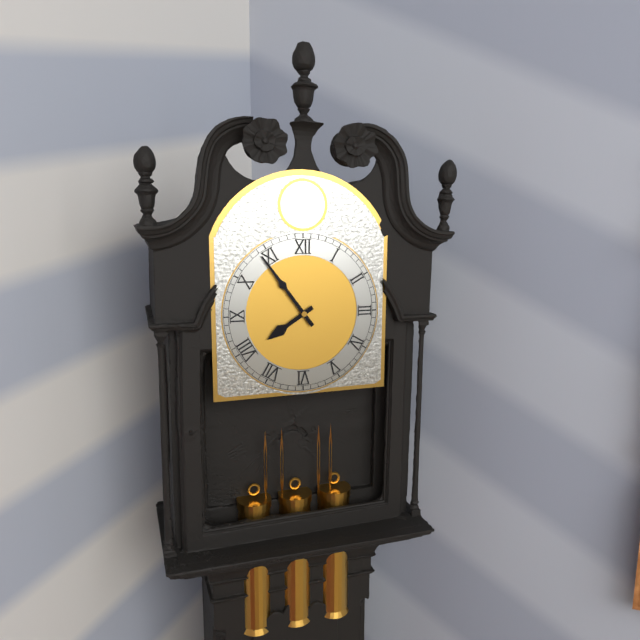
h=7 m=54
